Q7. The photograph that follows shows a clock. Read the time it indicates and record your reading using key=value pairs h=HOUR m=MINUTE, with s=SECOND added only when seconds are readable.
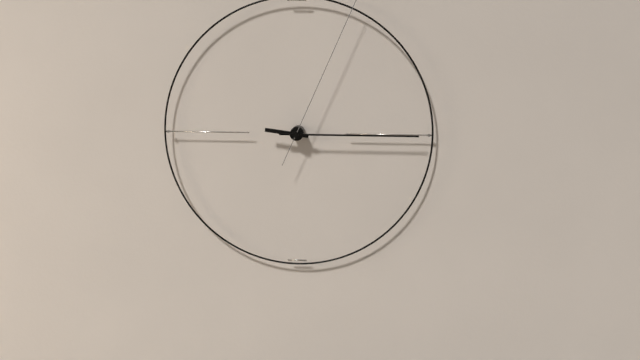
h=9 m=15
